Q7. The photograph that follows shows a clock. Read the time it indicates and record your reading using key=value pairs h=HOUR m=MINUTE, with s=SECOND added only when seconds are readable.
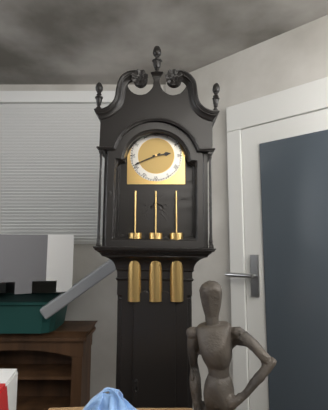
h=2 m=41
